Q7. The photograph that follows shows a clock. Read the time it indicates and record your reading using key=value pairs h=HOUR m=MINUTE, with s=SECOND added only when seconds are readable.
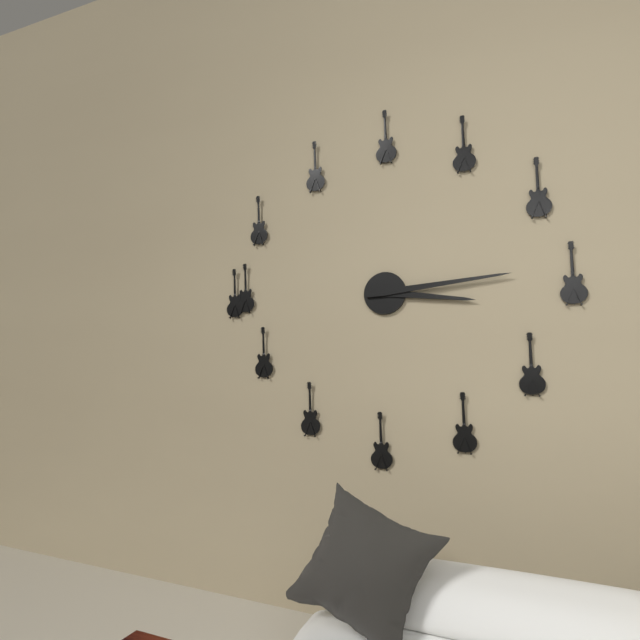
h=3 m=14
